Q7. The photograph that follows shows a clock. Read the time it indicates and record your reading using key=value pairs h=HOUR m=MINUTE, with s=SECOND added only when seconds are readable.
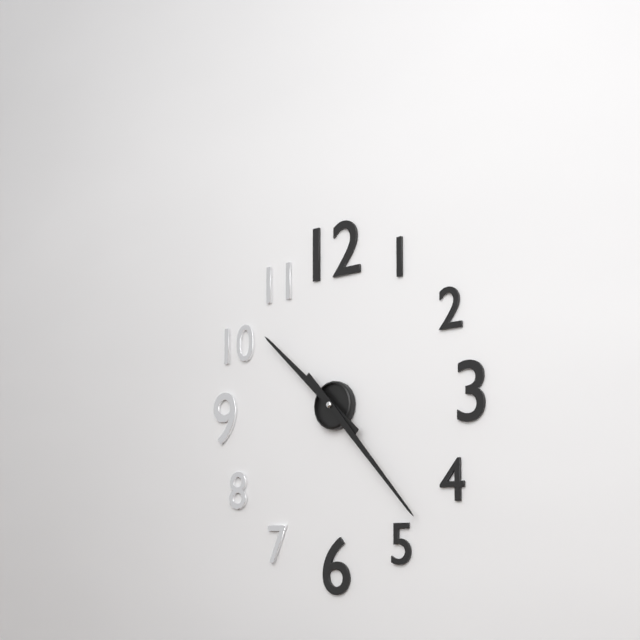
h=10 m=23
